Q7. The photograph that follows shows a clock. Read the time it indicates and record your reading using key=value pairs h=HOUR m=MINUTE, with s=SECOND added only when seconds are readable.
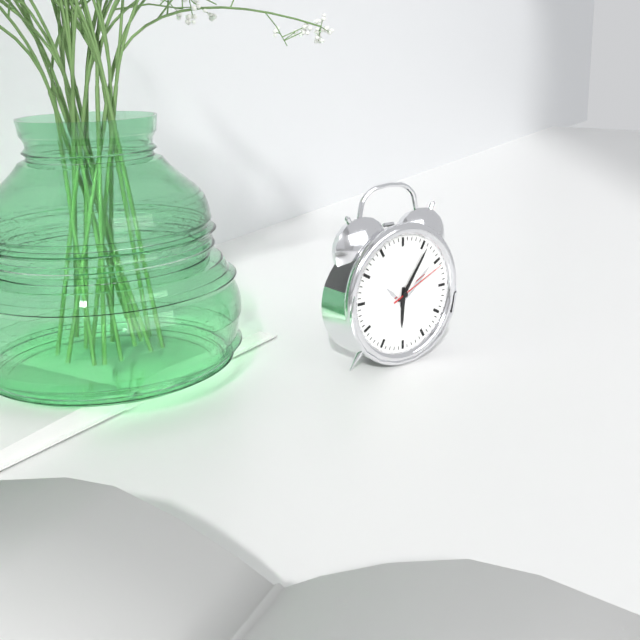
h=6 m=6 s=11
